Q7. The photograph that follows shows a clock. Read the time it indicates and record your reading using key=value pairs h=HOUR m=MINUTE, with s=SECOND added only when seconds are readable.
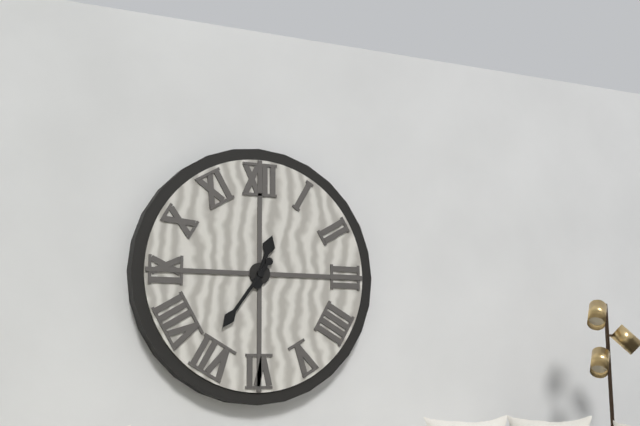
h=12 m=36
